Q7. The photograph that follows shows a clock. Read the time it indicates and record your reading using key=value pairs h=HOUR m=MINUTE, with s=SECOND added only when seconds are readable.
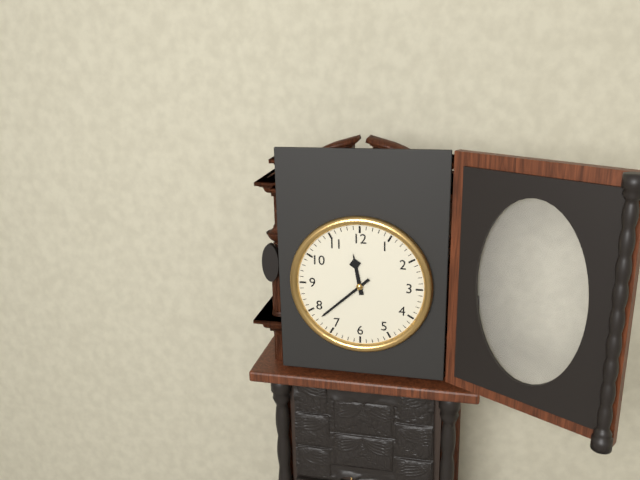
h=11 m=38
